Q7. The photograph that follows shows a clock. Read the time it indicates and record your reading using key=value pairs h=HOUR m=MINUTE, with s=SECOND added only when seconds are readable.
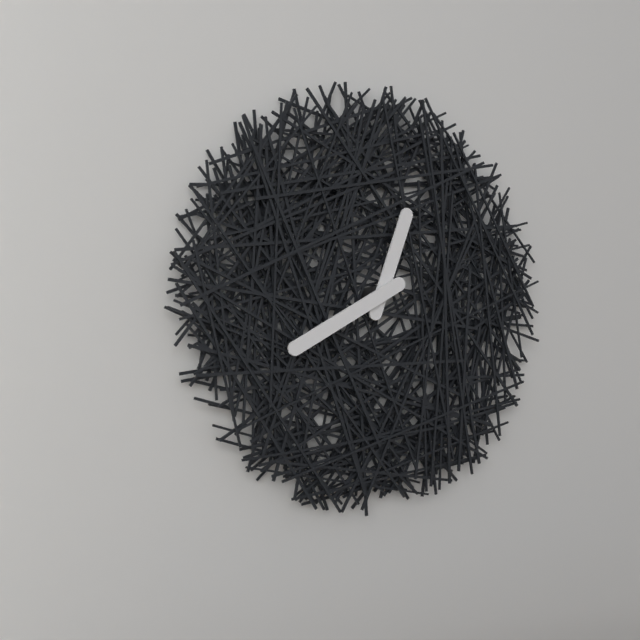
h=12 m=40
